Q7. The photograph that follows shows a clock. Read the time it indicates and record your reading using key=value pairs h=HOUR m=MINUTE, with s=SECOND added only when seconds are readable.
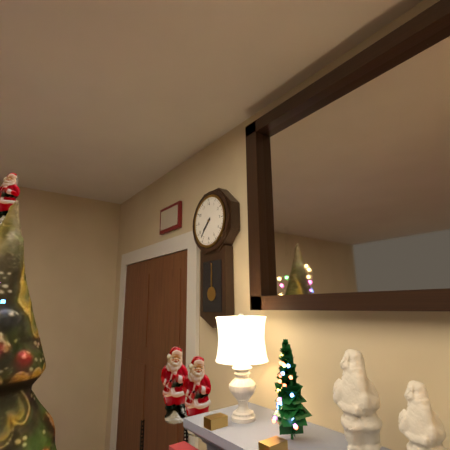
h=7 m=37
